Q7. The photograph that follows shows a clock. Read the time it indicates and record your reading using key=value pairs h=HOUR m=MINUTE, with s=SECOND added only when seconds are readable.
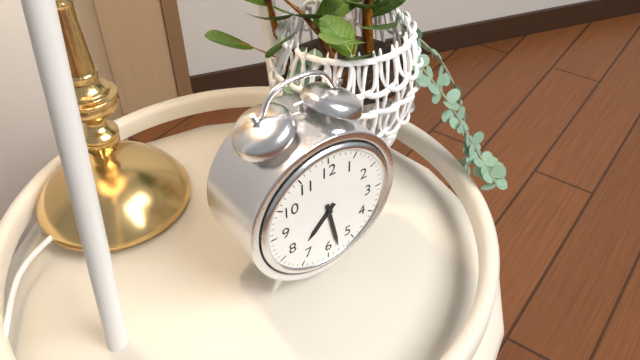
h=7 m=28
